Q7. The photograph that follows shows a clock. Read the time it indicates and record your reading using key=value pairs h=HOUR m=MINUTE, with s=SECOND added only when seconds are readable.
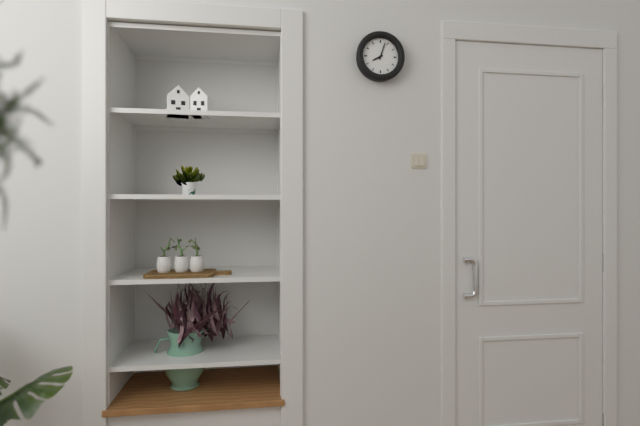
h=8 m=3
